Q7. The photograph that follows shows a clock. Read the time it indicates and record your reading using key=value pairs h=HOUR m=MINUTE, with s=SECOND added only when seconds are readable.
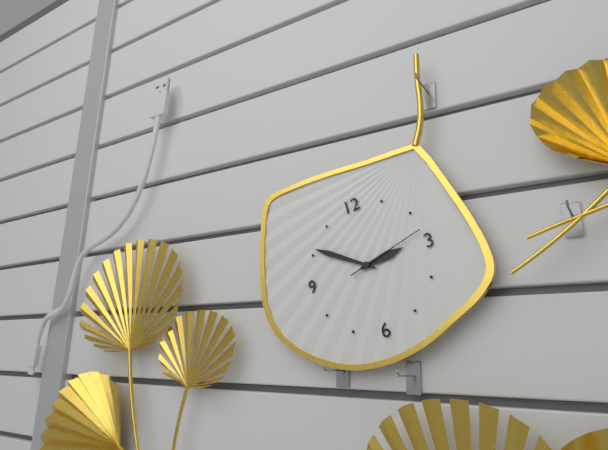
h=2 m=51 s=13
